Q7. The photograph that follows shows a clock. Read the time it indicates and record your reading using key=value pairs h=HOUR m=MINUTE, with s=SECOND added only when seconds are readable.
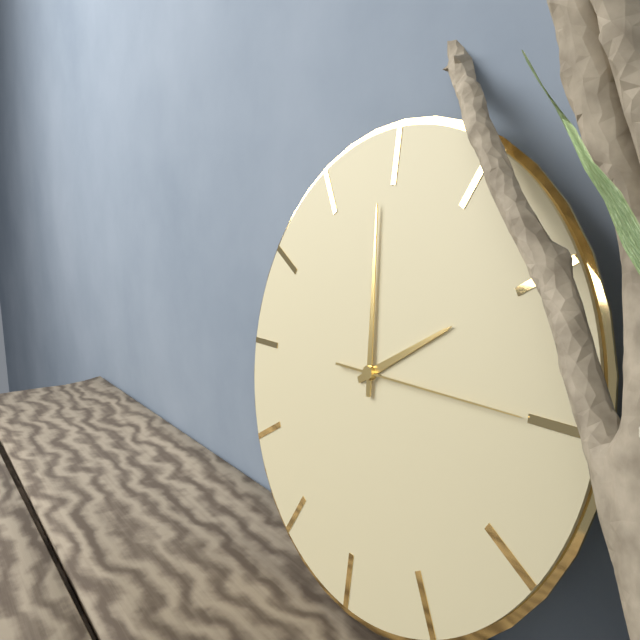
h=1 m=59 s=15
